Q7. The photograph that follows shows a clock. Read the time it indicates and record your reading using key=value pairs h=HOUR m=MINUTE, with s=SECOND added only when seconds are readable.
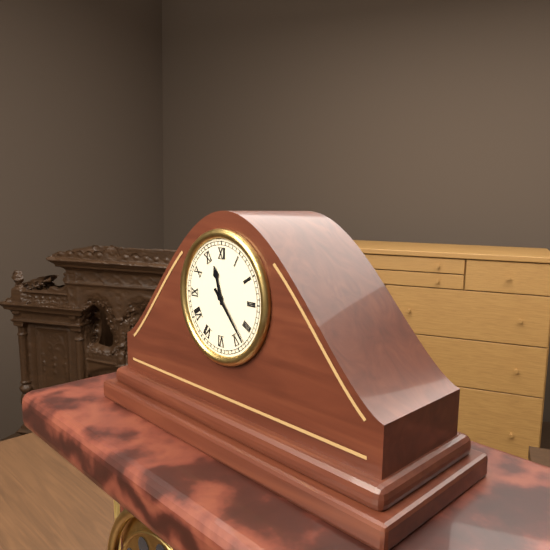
h=11 m=23
